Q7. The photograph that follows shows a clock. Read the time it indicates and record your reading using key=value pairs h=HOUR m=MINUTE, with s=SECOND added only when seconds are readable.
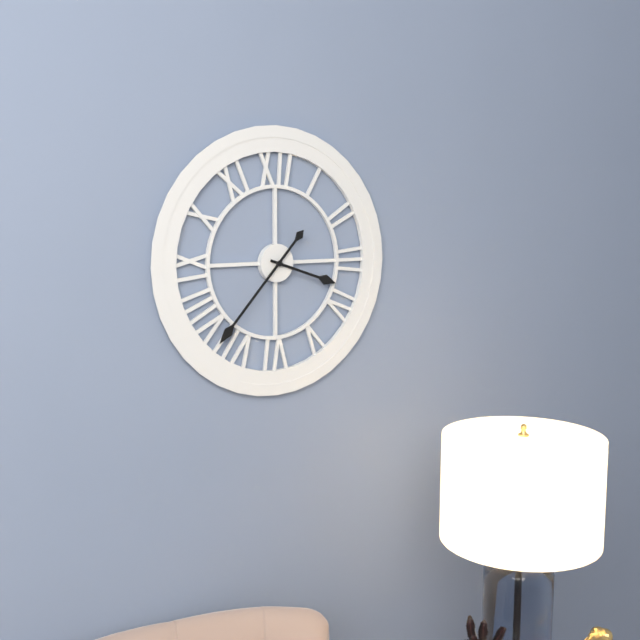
h=3 m=37
